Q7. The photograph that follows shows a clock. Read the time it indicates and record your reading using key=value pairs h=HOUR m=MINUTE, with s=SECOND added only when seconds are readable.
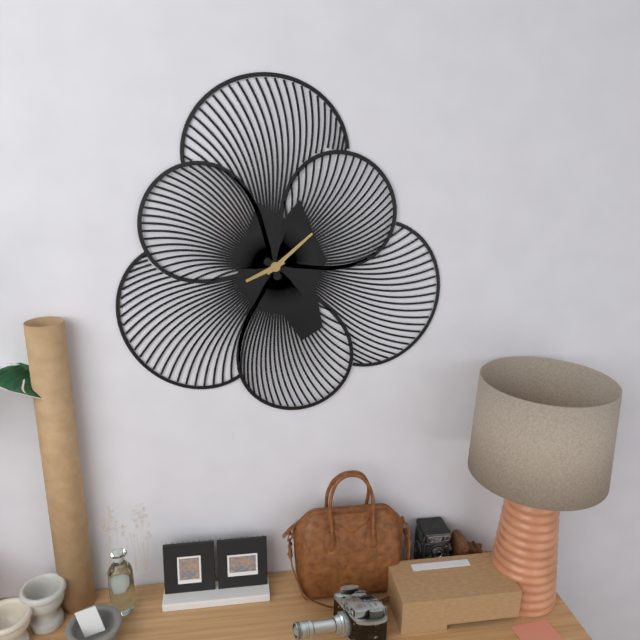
h=8 m=8
